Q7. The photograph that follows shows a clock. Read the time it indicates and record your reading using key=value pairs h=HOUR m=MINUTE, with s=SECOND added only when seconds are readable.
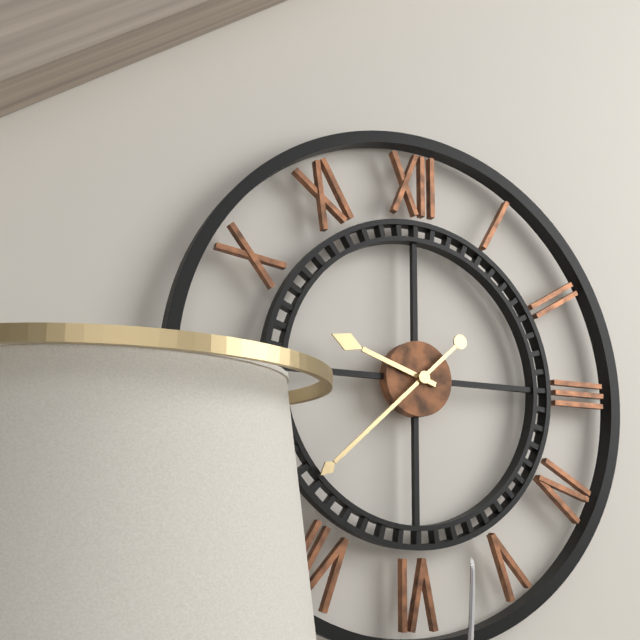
h=9 m=38
